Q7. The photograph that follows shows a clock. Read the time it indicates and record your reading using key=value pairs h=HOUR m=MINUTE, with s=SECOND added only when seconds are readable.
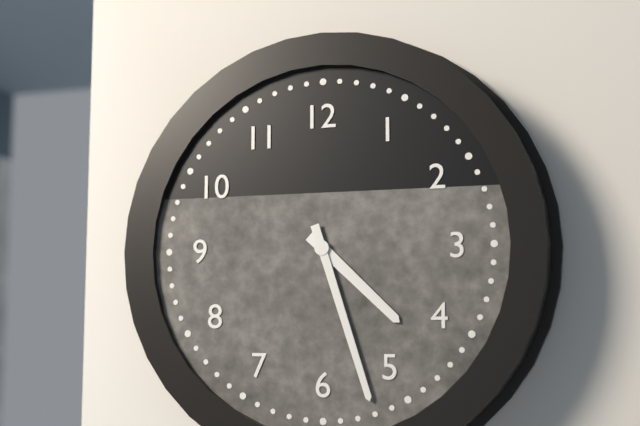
h=4 m=27
